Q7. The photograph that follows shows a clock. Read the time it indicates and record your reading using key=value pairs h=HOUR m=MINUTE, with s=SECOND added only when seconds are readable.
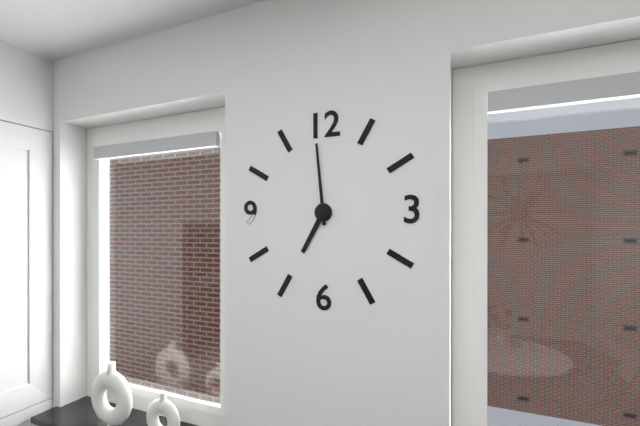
h=6 m=59
